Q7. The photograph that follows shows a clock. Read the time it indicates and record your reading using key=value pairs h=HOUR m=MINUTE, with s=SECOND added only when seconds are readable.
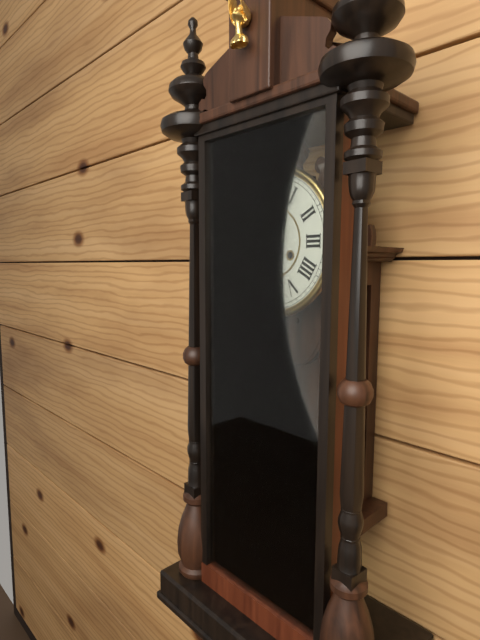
h=10 m=55
